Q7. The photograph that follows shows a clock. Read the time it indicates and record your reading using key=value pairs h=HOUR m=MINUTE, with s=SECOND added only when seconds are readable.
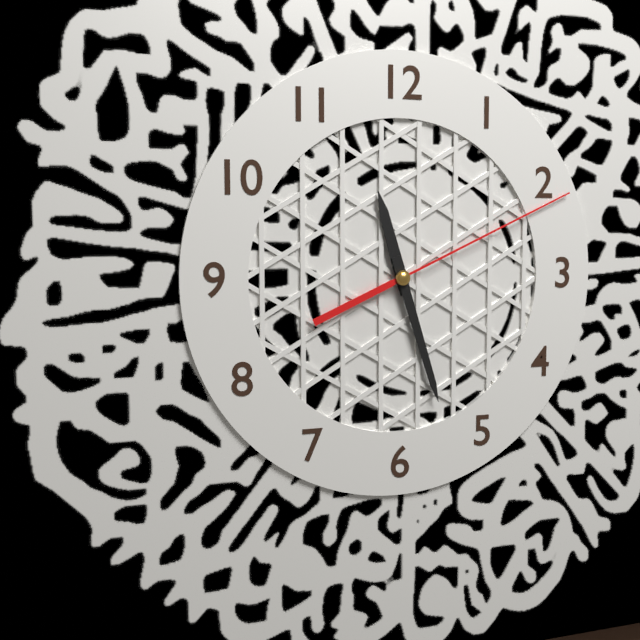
h=11 m=27 s=11
